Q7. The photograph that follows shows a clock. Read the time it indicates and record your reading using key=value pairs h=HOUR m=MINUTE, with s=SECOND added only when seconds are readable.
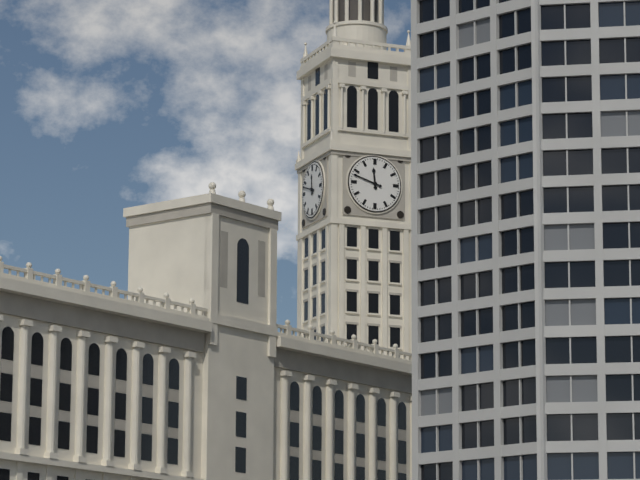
h=11 m=48
